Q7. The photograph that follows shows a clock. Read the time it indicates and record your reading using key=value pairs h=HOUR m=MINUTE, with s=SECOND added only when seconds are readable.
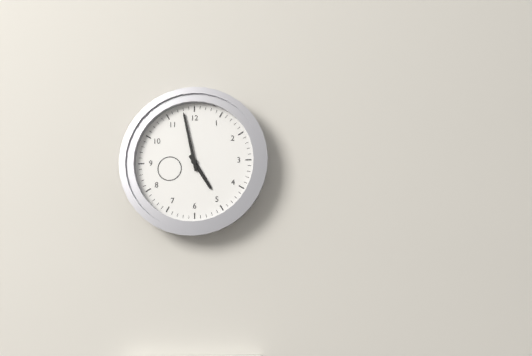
h=4 m=58
